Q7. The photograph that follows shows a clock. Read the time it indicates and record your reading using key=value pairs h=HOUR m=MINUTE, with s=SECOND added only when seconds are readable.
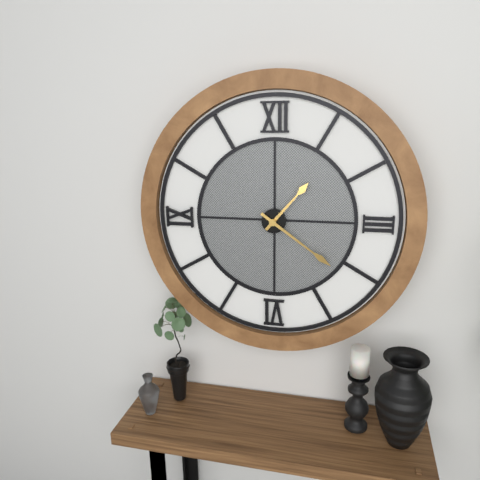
h=1 m=21
